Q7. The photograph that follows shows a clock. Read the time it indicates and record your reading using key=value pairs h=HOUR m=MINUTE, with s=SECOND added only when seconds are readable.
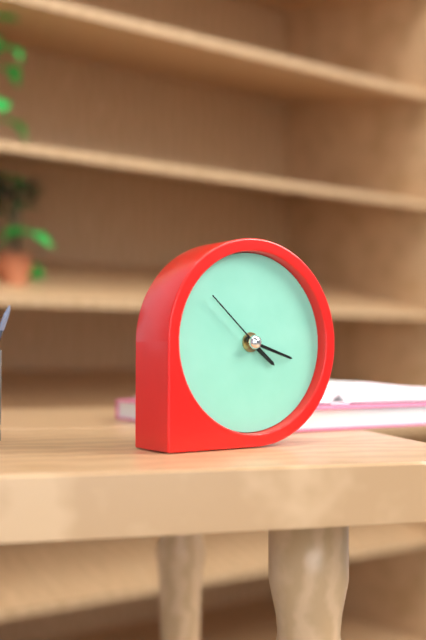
h=4 m=18 s=52
